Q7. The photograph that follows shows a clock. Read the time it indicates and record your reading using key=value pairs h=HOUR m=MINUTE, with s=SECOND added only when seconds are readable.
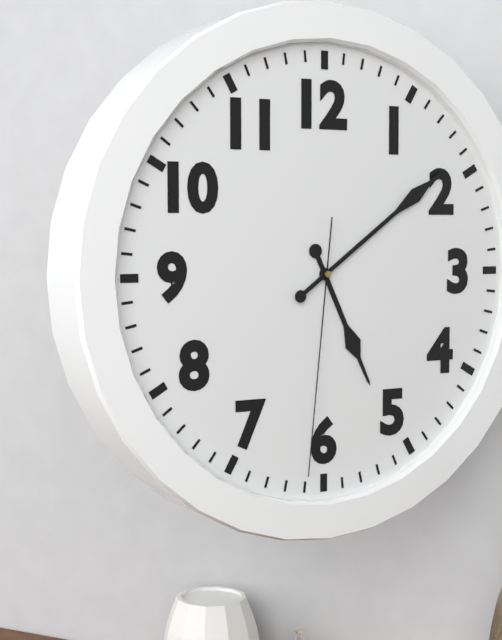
h=5 m=9 s=31
